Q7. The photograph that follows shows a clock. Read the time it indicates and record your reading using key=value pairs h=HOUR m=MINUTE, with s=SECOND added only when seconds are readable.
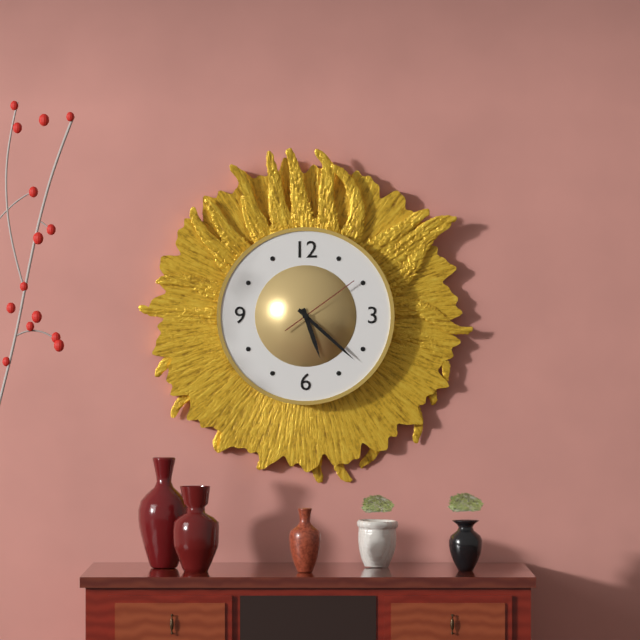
h=5 m=22 s=9
